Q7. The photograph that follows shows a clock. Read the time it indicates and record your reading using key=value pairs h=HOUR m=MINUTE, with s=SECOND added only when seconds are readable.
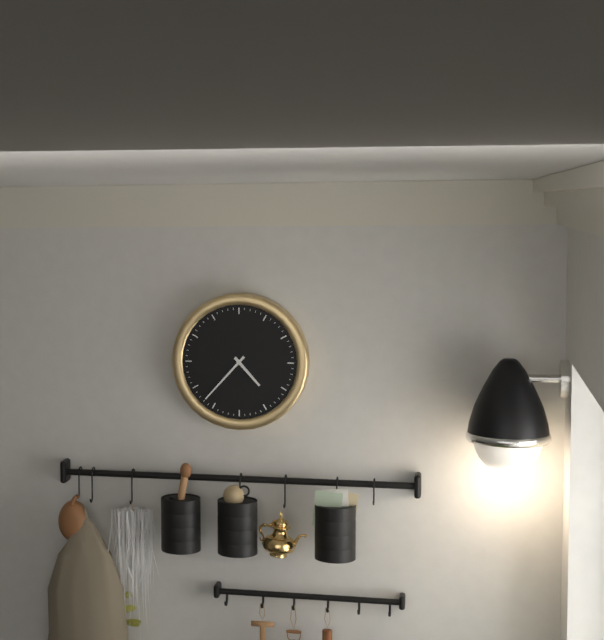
h=4 m=37
